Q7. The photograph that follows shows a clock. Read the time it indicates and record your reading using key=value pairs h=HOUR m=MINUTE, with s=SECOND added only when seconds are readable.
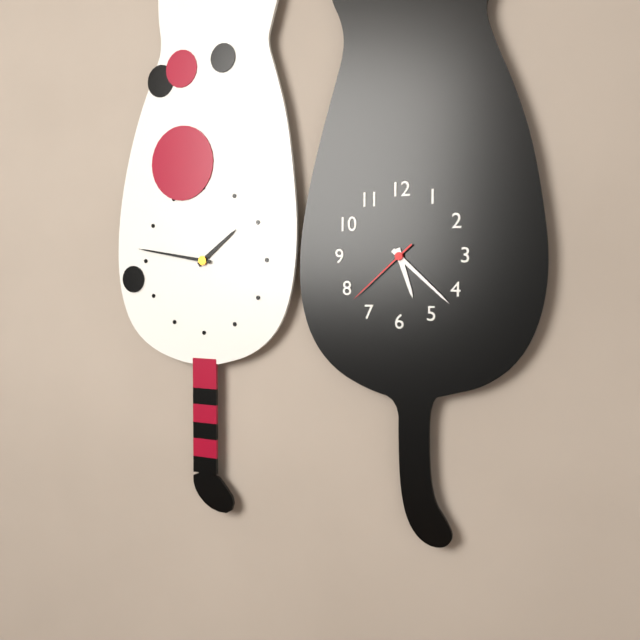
h=5 m=22 s=38
